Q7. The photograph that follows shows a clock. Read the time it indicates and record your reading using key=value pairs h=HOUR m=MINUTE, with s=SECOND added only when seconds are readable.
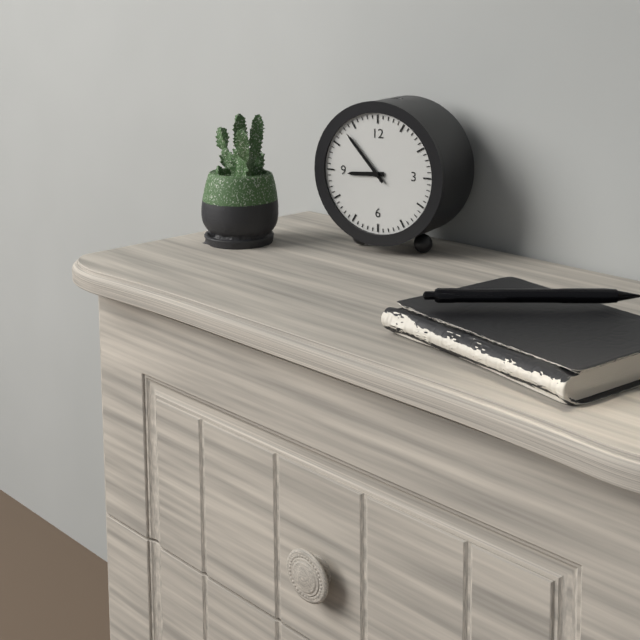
h=8 m=53
